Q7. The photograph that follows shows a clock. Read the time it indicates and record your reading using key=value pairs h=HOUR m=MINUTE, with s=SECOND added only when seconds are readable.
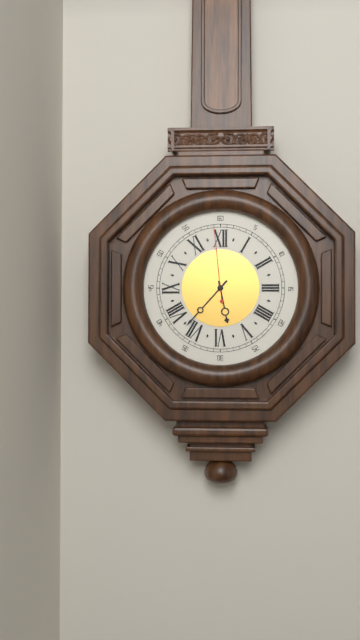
h=5 m=37 s=59
